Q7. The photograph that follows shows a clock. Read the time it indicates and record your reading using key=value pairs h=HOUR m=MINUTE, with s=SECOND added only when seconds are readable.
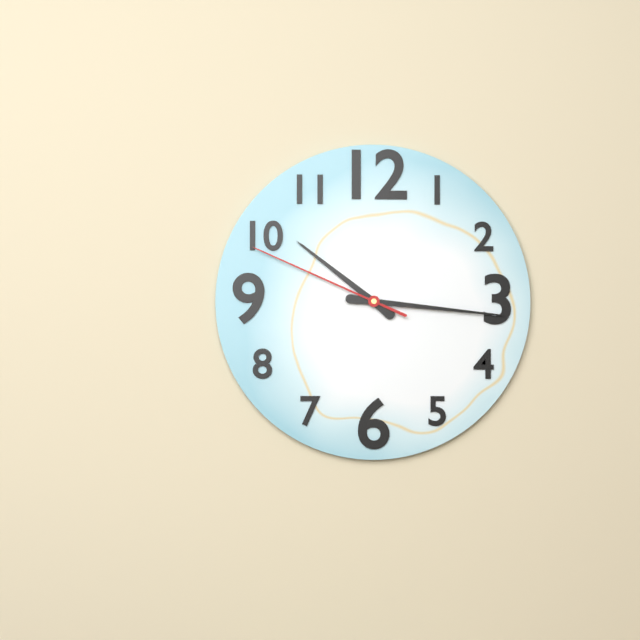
h=10 m=16 s=49
